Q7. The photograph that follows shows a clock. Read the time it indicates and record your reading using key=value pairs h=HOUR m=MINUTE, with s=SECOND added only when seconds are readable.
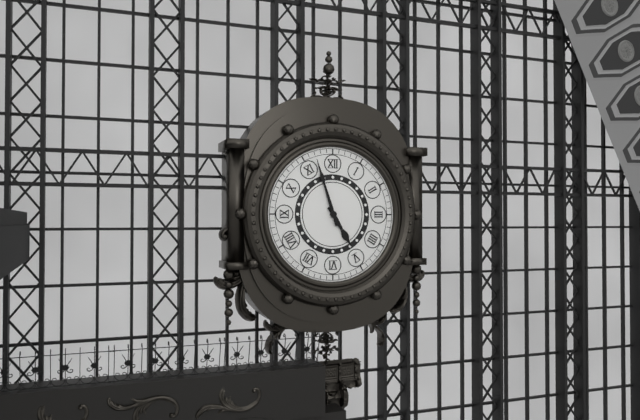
h=4 m=57
